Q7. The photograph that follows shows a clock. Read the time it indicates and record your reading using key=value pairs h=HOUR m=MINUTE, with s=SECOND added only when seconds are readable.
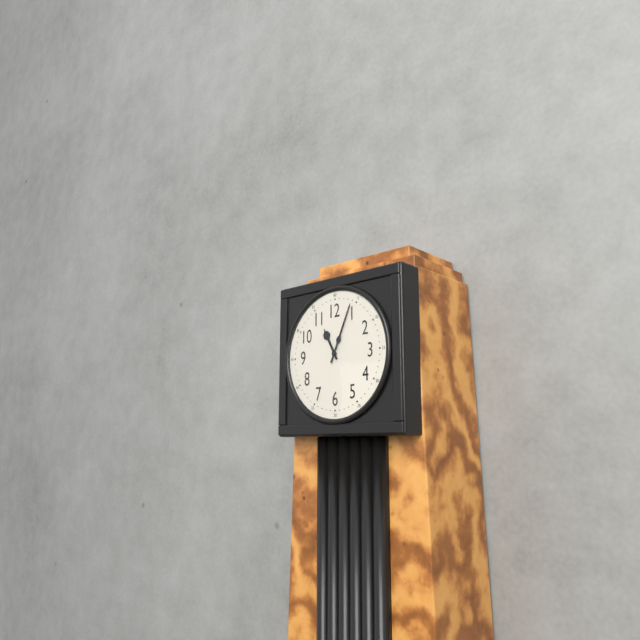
h=11 m=4
